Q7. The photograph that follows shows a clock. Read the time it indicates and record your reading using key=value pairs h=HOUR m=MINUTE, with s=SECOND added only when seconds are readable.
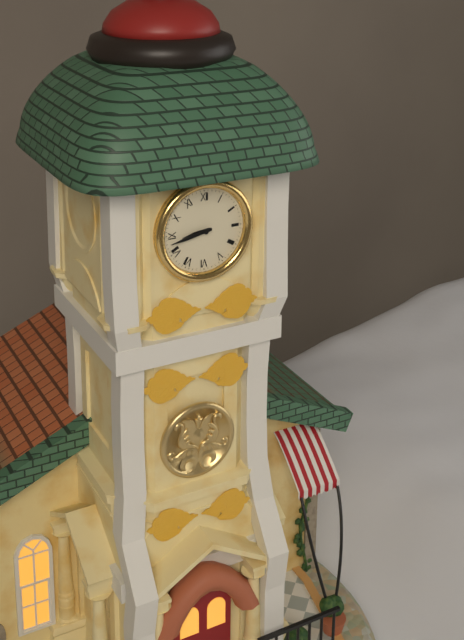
h=8 m=43
